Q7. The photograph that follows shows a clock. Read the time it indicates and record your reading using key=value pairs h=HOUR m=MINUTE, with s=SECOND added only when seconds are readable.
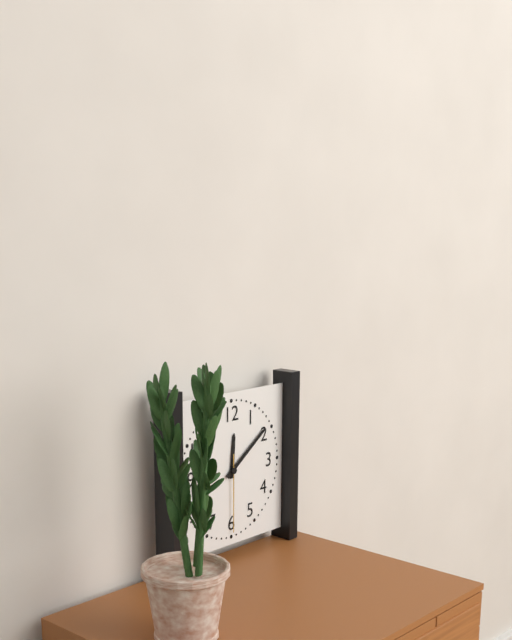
h=12 m=9 s=30
